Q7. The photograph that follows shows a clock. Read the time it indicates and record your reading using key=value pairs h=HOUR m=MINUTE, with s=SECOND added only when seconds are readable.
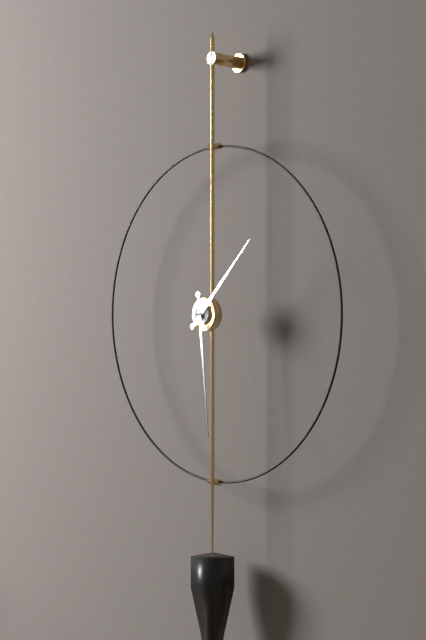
h=1 m=29
